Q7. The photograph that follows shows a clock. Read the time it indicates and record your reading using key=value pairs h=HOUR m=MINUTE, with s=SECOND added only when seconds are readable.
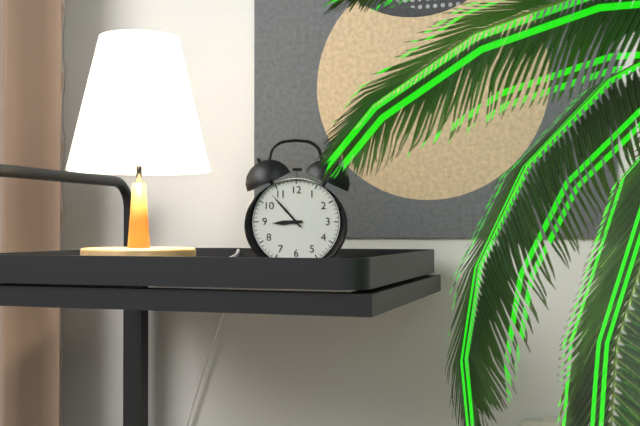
h=8 m=53
